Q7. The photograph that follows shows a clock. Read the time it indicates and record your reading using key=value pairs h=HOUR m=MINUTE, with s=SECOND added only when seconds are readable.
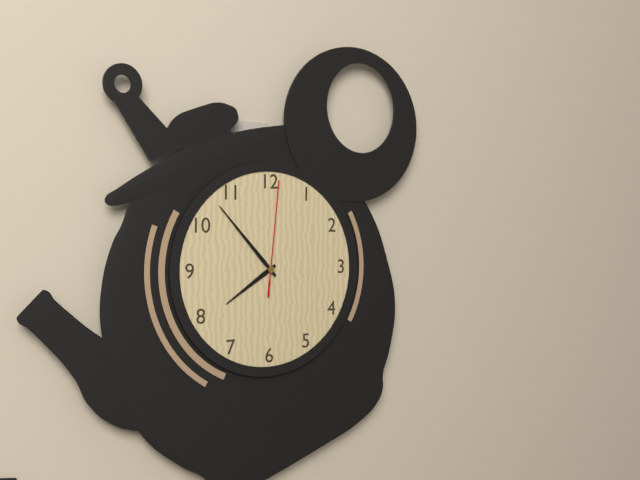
h=7 m=53 s=1
